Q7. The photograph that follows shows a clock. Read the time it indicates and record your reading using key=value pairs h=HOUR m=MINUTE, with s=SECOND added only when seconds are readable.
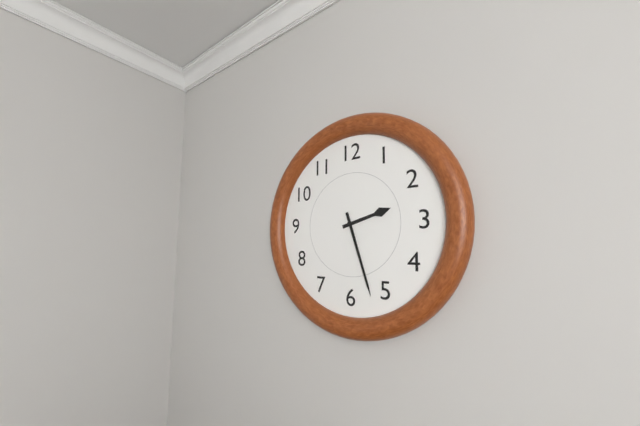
h=2 m=27
